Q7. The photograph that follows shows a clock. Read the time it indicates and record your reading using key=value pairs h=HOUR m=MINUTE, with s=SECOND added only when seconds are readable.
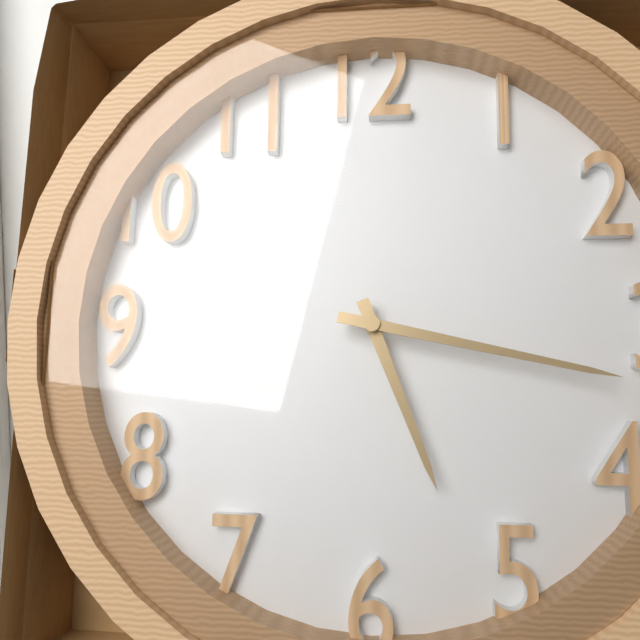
h=5 m=17
